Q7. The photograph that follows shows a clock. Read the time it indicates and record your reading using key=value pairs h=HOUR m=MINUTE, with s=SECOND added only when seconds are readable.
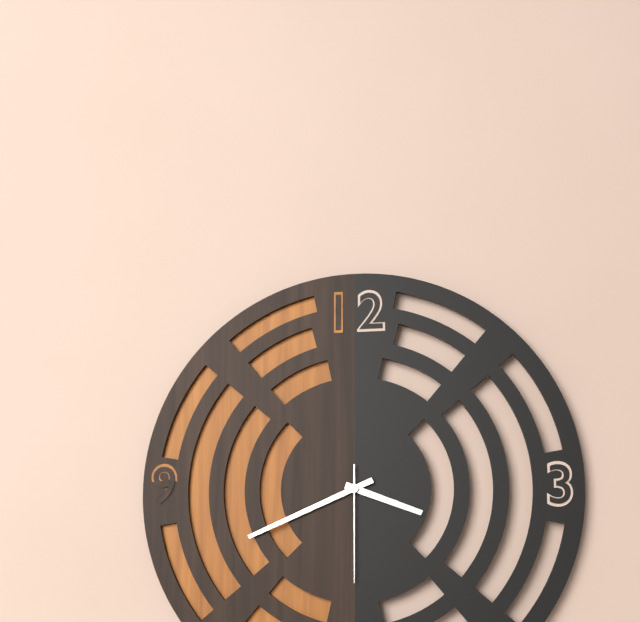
h=3 m=41 s=30
